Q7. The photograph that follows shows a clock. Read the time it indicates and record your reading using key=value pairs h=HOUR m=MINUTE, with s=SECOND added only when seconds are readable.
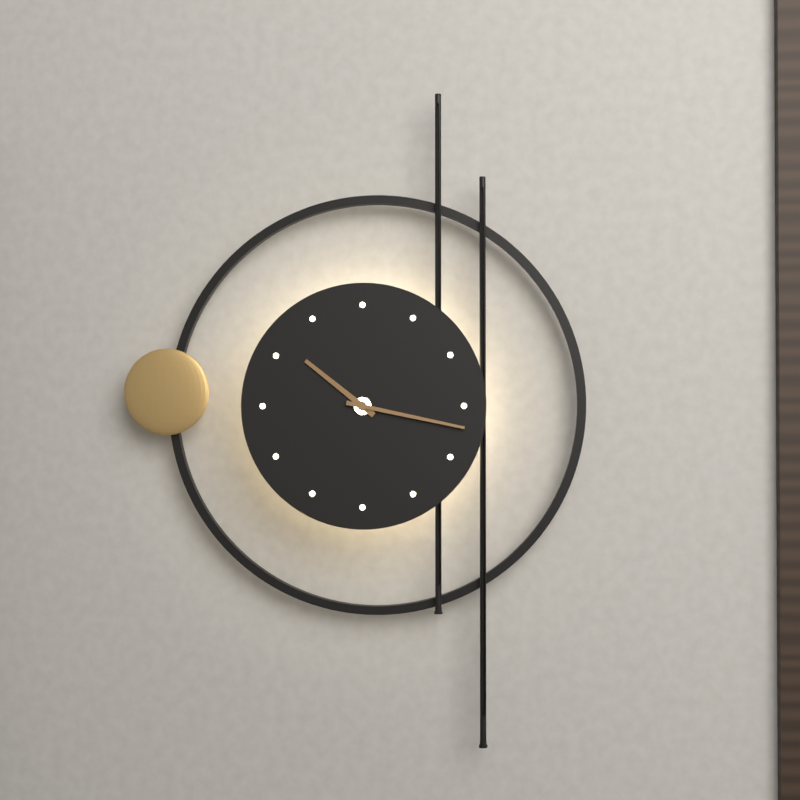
h=10 m=17
